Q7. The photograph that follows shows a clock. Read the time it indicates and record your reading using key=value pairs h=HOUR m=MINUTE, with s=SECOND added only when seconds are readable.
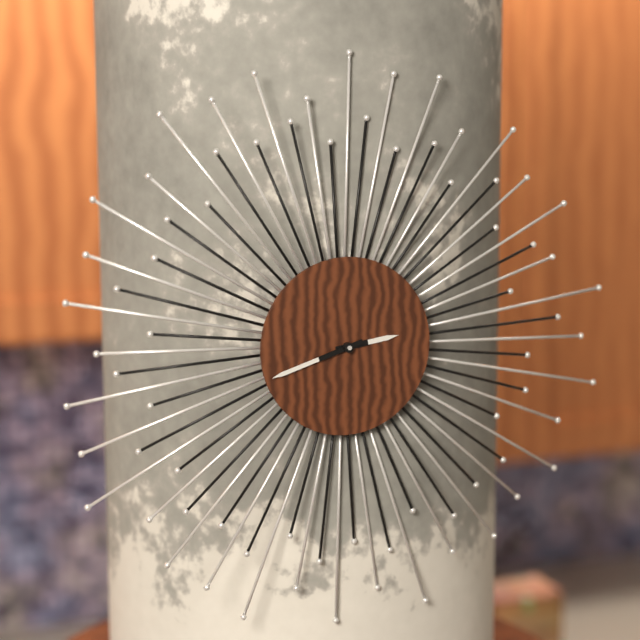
h=2 m=42
